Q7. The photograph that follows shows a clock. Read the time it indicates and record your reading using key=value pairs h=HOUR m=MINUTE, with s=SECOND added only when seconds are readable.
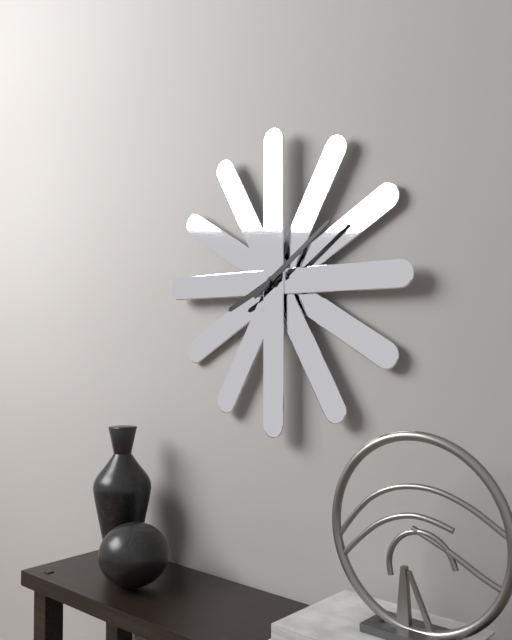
h=8 m=9
